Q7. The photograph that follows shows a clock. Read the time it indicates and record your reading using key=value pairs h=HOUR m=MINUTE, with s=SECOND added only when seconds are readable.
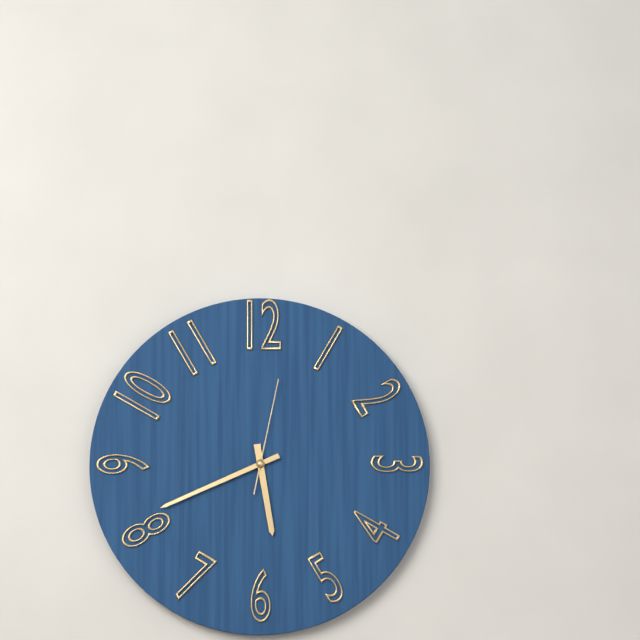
h=5 m=41 s=2
